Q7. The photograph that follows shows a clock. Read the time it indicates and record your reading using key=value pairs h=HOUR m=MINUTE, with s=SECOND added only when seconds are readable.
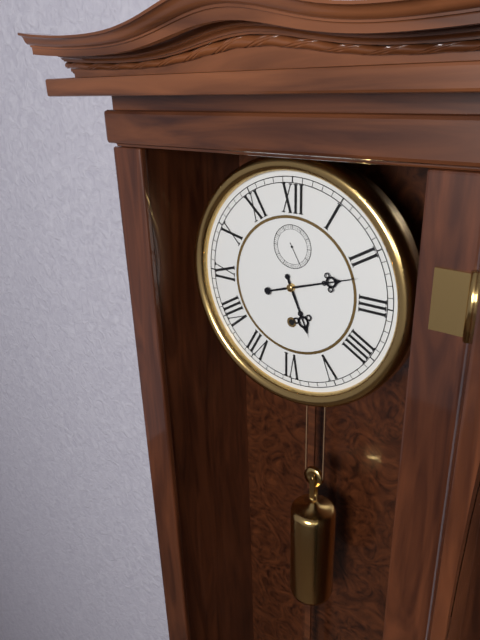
h=5 m=12
